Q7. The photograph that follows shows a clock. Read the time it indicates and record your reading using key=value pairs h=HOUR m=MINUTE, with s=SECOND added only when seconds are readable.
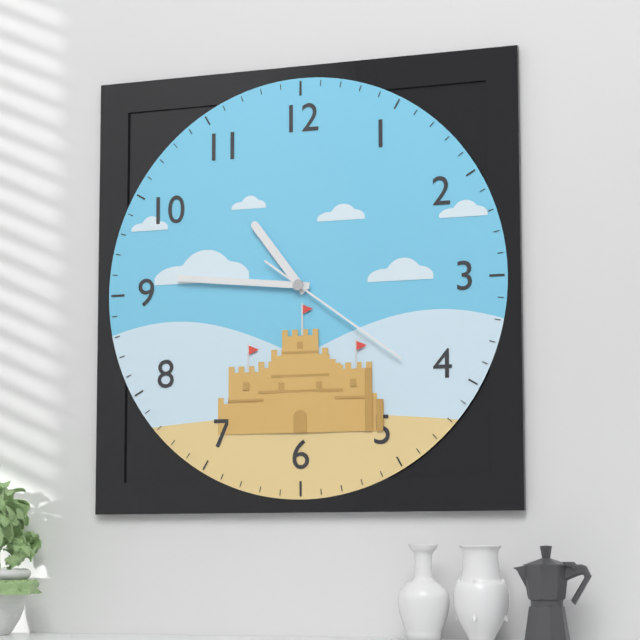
h=10 m=46 s=21
